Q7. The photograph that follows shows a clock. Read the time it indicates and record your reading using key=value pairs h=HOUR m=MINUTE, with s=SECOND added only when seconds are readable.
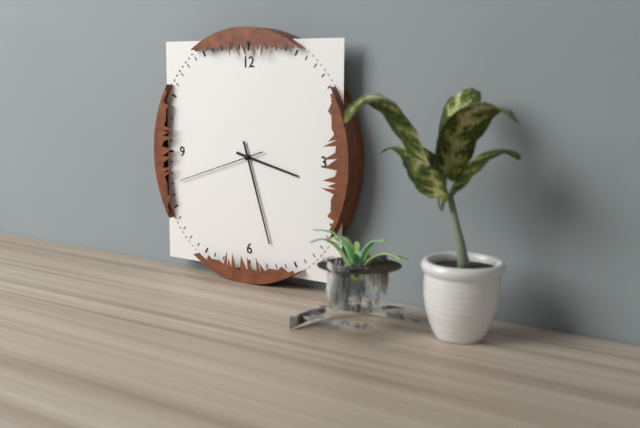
h=3 m=27 s=42
